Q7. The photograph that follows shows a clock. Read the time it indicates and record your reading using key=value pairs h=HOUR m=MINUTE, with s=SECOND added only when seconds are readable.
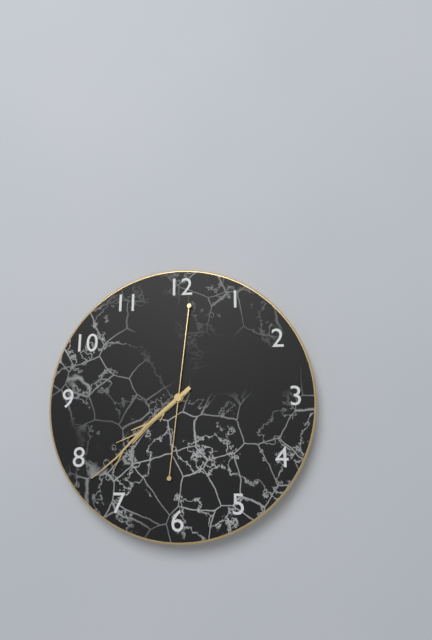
h=7 m=38 s=1
